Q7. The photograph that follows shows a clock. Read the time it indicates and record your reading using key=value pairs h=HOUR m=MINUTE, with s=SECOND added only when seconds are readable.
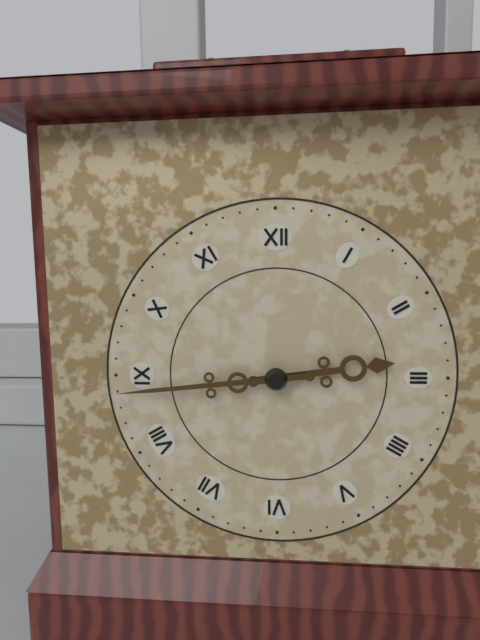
h=2 m=44
